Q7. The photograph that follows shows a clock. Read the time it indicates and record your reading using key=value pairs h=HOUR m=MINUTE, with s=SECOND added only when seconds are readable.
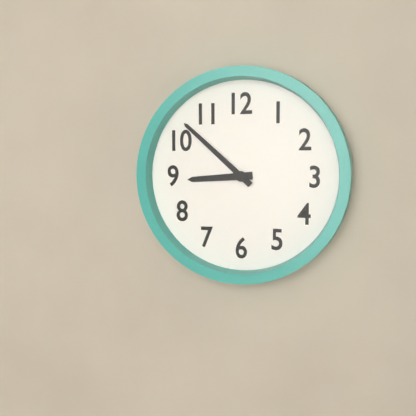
h=8 m=52
